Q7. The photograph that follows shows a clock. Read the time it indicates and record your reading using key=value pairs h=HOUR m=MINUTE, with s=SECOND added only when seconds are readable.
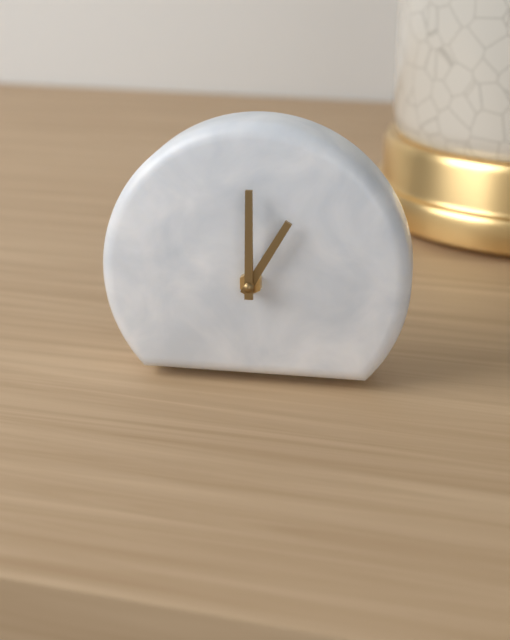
h=1 m=0
